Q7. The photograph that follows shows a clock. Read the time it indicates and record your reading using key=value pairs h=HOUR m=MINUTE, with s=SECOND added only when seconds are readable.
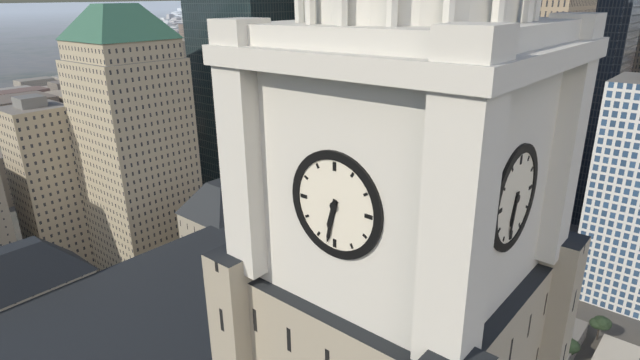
h=6 m=32
